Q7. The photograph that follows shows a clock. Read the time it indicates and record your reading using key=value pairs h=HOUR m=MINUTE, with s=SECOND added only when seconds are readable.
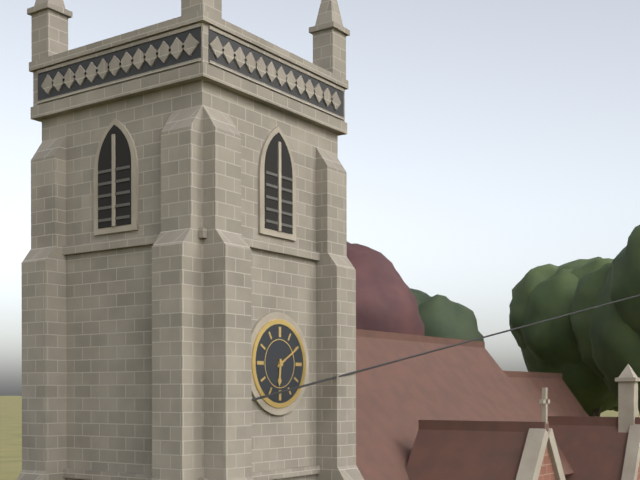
h=6 m=10
